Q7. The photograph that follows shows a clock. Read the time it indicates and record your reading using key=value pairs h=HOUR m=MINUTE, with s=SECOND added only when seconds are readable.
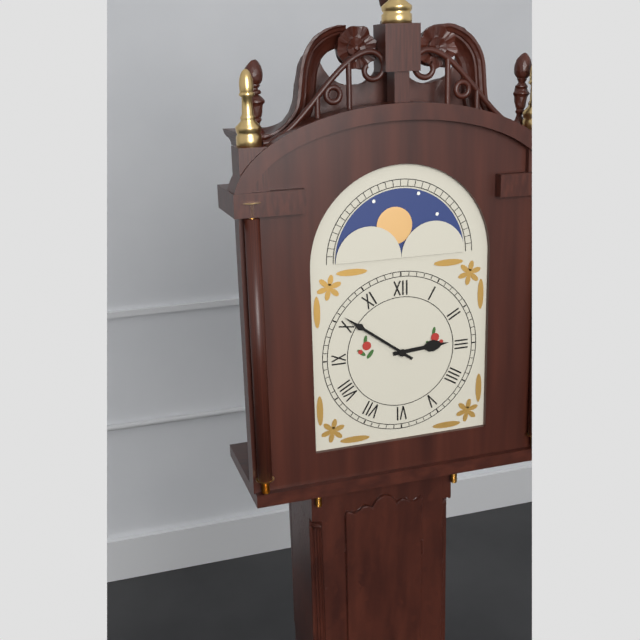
h=2 m=51
